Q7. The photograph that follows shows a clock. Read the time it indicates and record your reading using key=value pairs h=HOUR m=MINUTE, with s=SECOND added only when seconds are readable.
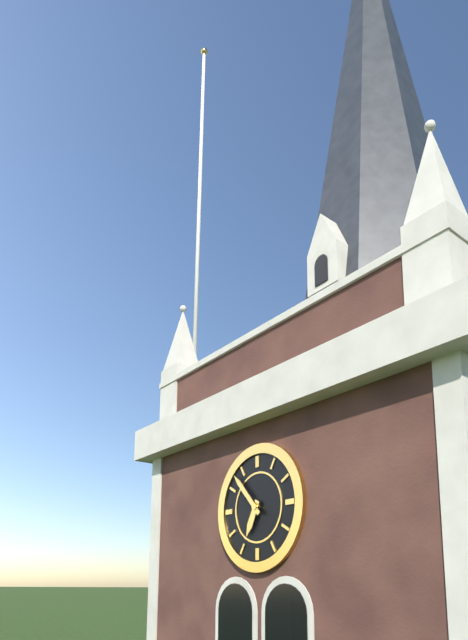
h=6 m=53
